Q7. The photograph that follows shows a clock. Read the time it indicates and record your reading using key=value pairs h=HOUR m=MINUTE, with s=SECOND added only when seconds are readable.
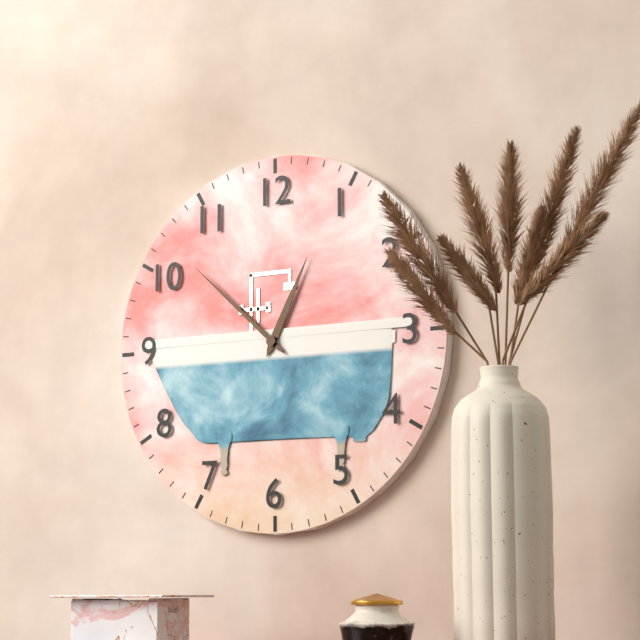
h=12 m=52
